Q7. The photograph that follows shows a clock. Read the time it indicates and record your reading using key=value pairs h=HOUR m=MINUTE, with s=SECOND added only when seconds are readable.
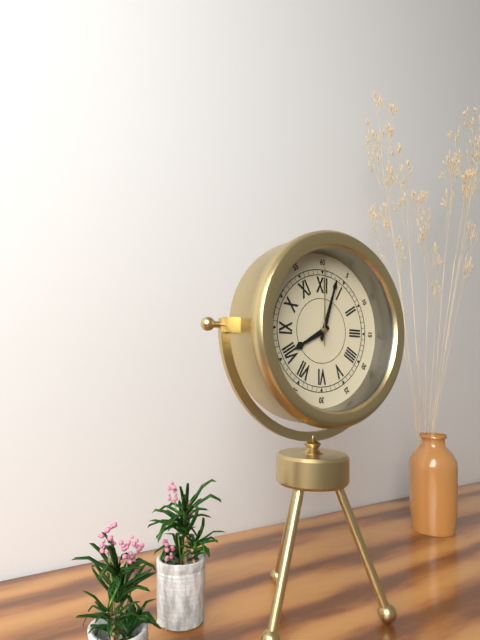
h=8 m=3 s=0
